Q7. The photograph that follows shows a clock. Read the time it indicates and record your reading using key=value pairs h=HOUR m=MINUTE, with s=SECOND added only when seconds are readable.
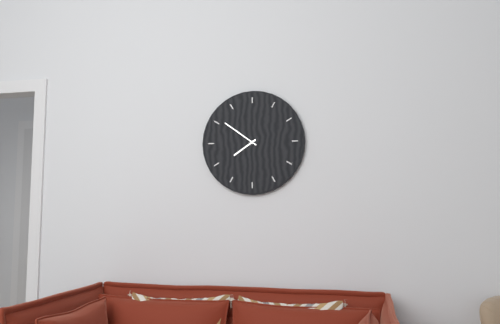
h=7 m=51
